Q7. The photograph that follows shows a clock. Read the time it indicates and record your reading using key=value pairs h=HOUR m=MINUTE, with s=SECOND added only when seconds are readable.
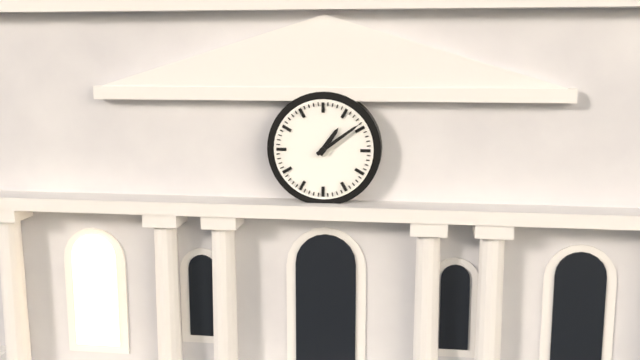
h=1 m=9
